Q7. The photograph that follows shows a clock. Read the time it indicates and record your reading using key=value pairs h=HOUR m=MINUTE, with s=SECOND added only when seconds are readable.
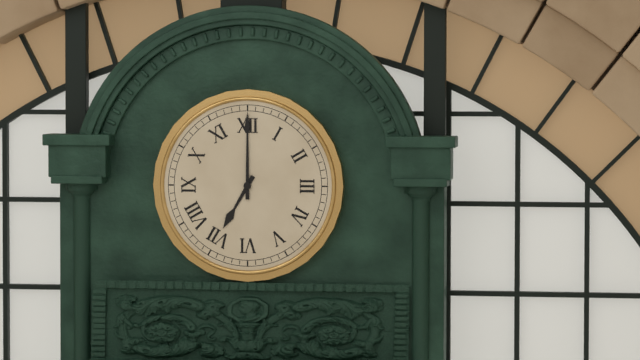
h=7 m=0
